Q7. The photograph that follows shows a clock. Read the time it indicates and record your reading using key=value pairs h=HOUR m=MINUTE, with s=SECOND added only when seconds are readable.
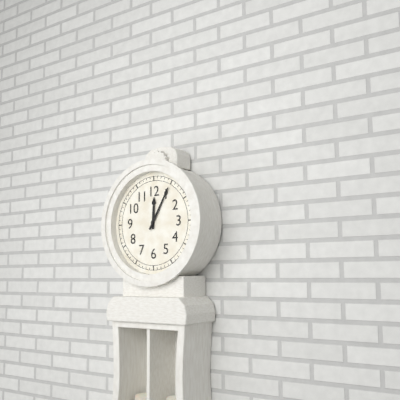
h=12 m=5
